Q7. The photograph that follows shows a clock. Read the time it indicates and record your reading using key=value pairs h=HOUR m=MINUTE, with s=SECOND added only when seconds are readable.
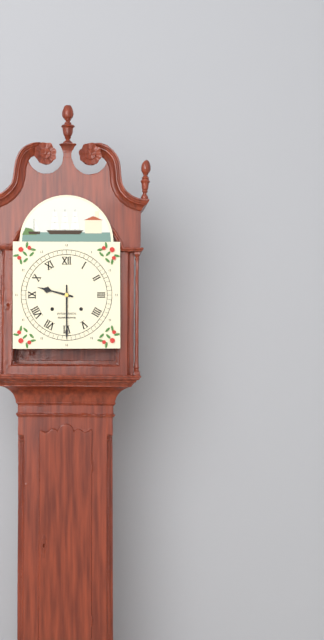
h=9 m=30
